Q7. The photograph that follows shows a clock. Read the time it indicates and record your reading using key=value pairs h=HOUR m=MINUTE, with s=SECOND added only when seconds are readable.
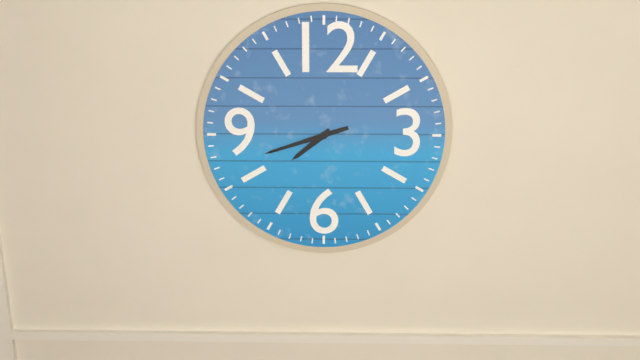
h=7 m=42
